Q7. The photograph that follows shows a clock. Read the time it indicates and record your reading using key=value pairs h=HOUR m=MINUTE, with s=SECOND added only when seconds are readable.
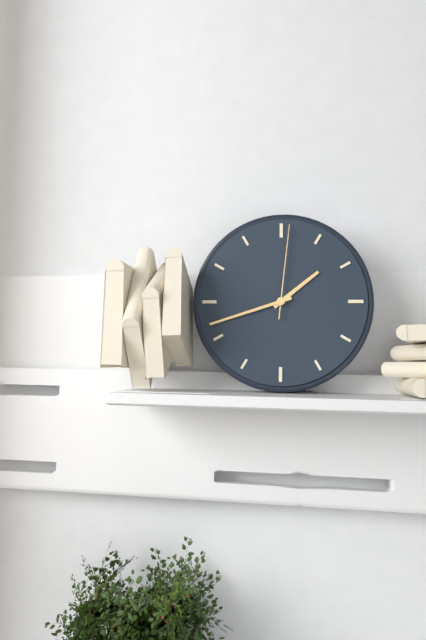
h=1 m=42 s=1
